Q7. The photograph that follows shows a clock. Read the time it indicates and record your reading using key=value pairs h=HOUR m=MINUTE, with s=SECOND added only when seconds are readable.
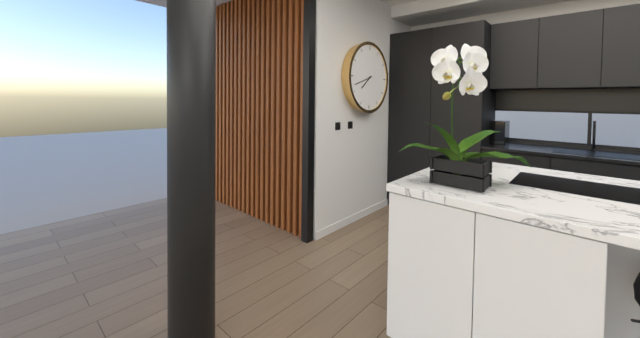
h=7 m=42
